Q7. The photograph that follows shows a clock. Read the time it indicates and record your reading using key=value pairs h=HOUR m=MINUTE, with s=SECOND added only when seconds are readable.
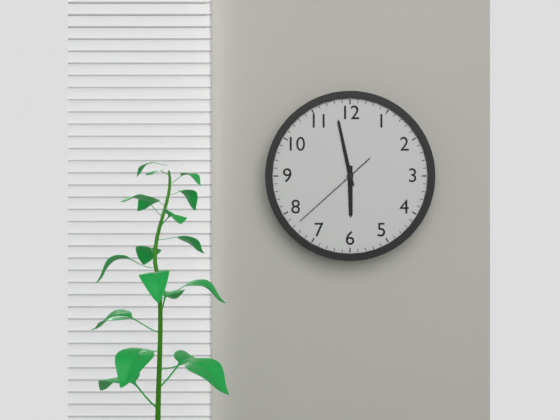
h=5 m=58 s=38
